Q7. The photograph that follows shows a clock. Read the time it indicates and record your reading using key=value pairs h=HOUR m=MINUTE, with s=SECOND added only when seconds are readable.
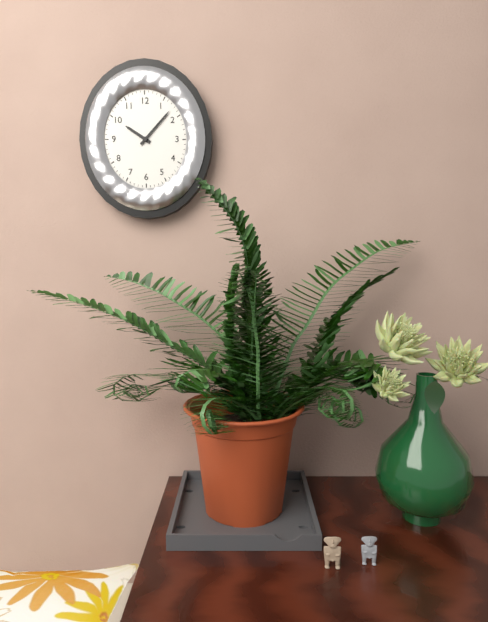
h=10 m=7
